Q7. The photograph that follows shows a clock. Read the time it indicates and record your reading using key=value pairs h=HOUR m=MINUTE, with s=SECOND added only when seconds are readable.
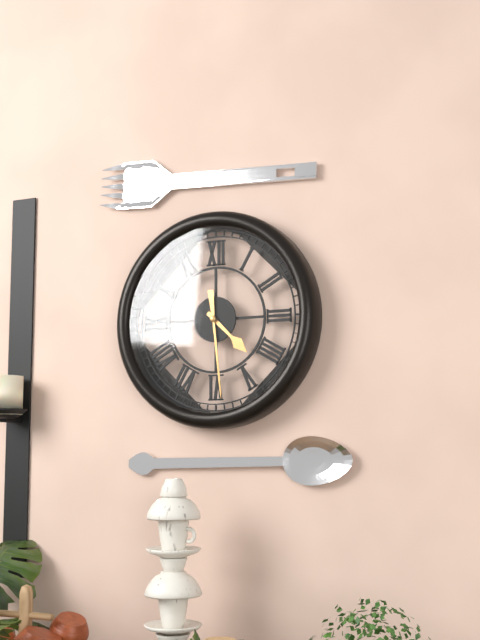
h=4 m=29
